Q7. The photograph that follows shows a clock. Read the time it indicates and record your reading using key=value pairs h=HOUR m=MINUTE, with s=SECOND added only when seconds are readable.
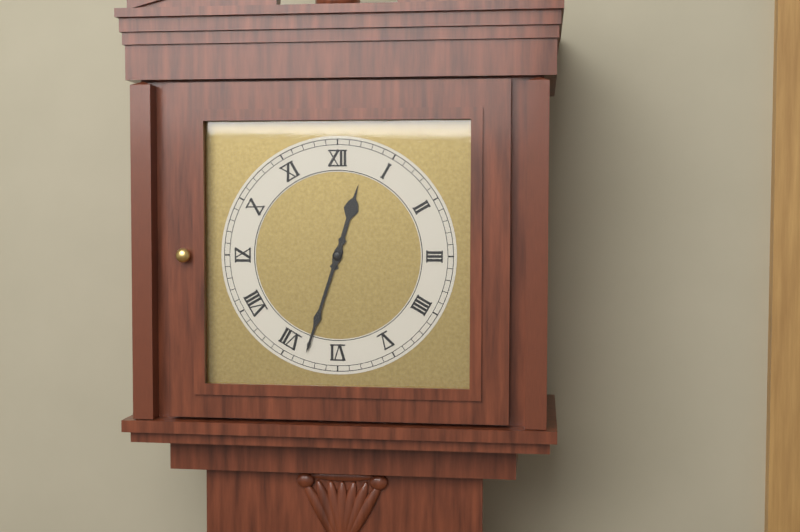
h=12 m=33
